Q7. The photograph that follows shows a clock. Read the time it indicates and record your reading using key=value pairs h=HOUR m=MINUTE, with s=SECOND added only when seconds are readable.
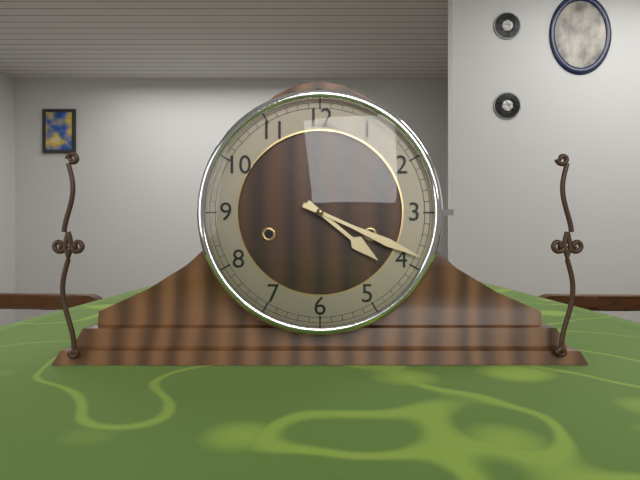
h=4 m=19
